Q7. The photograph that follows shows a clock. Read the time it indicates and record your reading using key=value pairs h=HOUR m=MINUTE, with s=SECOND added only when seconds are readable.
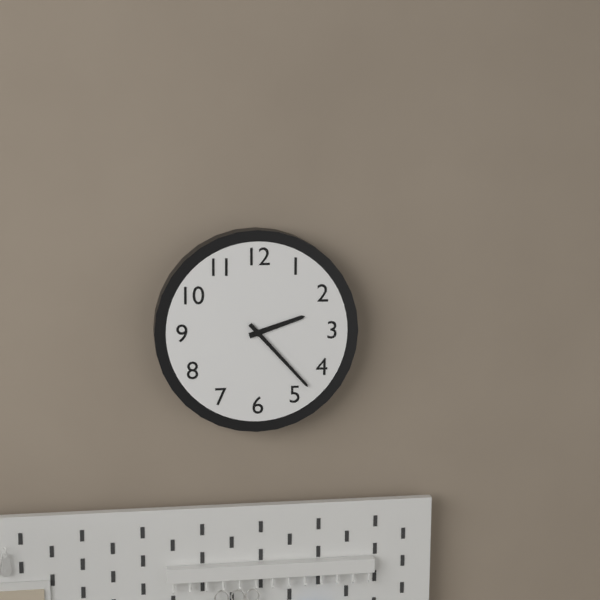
h=2 m=23
